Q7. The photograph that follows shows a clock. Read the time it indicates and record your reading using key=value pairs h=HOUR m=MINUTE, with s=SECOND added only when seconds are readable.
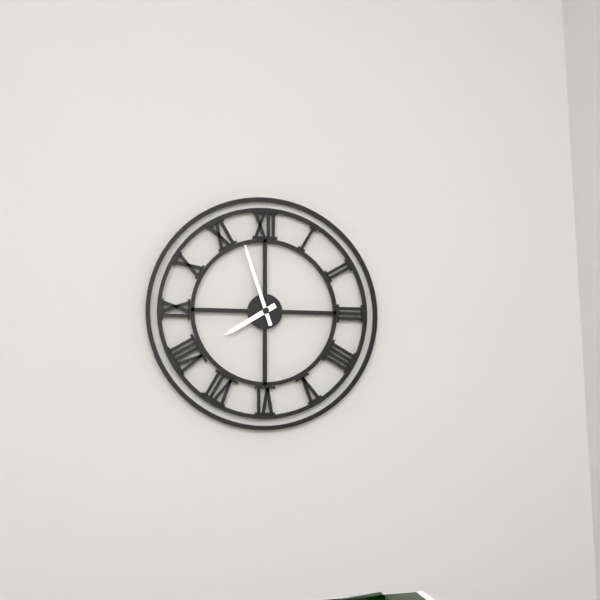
h=7 m=57
